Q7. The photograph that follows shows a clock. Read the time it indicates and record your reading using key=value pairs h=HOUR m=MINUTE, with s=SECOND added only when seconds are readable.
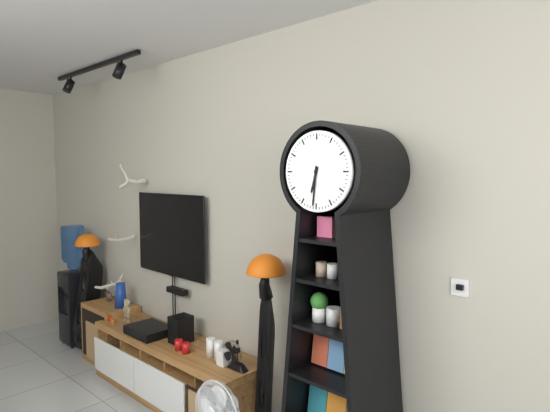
h=6 m=31
